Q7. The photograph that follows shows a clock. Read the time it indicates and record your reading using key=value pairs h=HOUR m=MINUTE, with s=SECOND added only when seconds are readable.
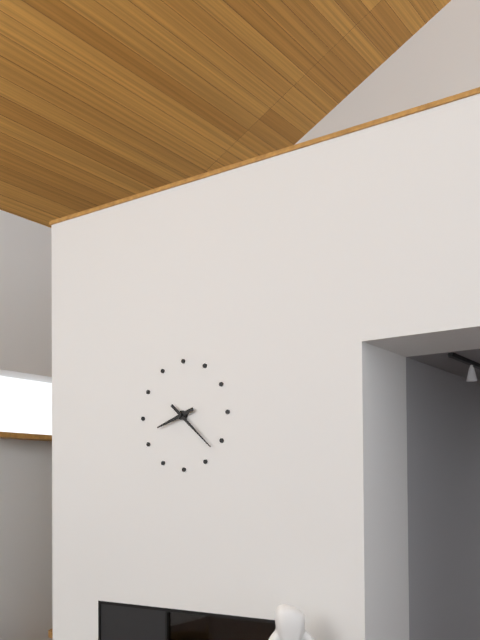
h=8 m=22
